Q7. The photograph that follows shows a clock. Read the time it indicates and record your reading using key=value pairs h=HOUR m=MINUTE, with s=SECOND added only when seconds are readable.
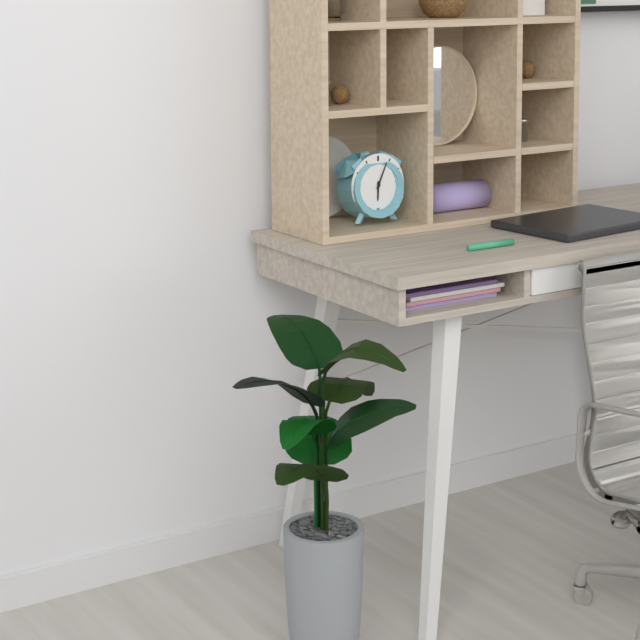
h=6 m=4
